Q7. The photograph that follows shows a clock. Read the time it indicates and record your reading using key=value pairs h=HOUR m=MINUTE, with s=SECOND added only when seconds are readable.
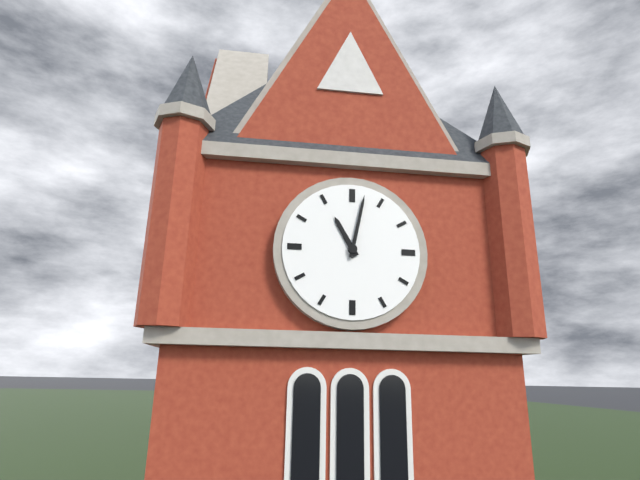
h=11 m=2
